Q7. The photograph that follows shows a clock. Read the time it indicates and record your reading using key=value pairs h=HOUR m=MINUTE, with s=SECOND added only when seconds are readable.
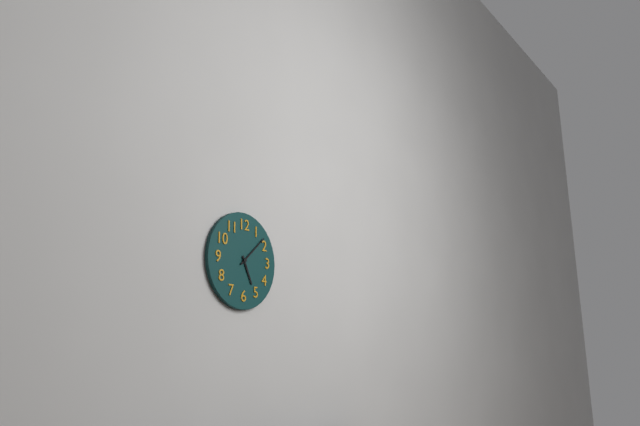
h=5 m=8
